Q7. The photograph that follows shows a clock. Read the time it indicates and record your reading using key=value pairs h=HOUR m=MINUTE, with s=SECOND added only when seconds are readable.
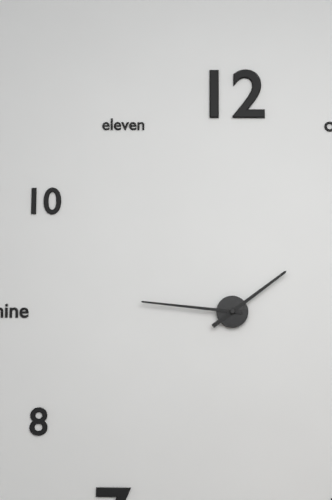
h=1 m=46
